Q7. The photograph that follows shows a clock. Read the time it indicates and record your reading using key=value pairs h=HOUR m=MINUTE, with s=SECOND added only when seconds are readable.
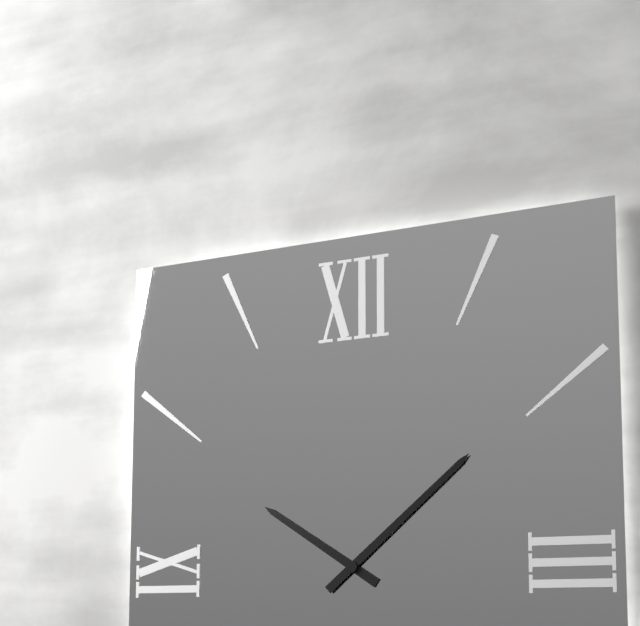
h=10 m=8
